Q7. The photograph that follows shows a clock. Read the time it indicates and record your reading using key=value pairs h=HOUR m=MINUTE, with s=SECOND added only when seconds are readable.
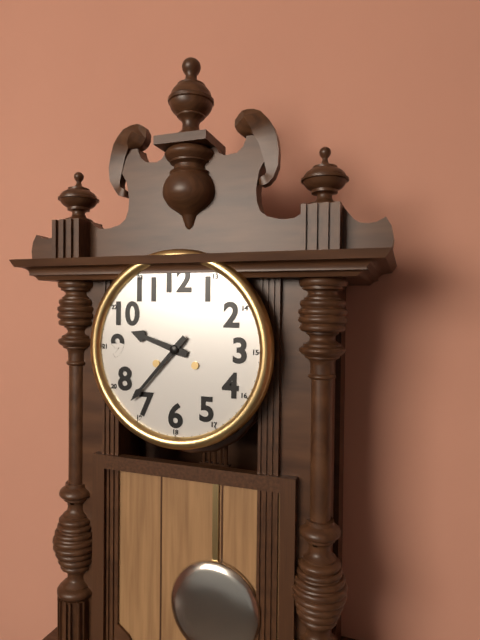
h=9 m=37
